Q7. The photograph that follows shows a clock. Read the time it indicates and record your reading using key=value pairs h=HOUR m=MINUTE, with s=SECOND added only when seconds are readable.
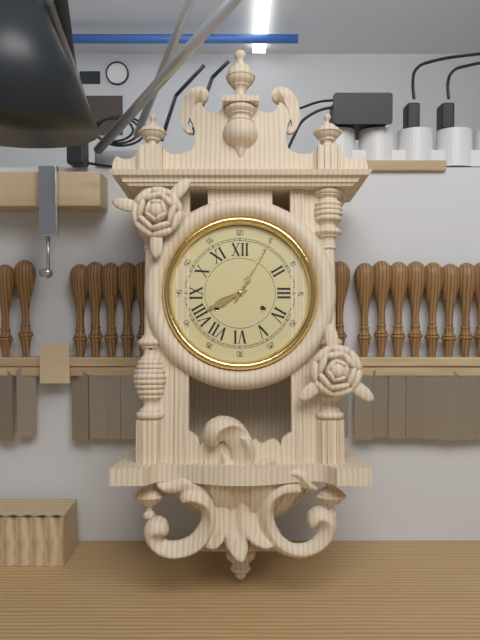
h=8 m=5
